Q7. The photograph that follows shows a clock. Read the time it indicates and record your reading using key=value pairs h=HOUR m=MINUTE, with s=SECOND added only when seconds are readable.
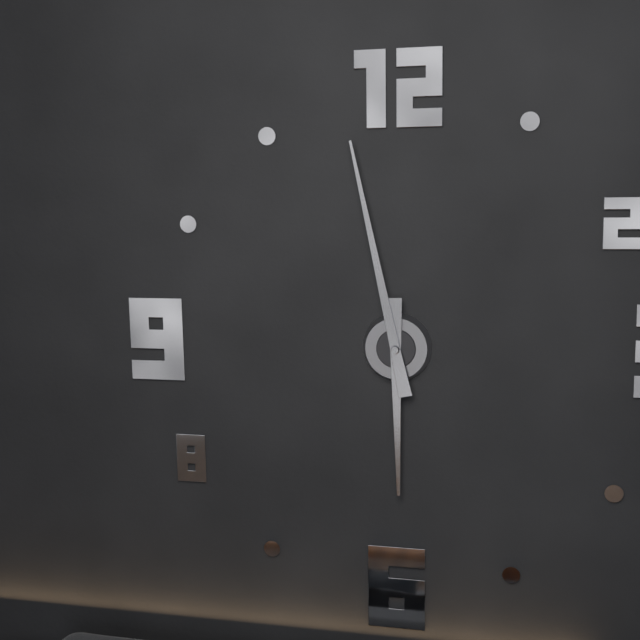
h=5 m=58
